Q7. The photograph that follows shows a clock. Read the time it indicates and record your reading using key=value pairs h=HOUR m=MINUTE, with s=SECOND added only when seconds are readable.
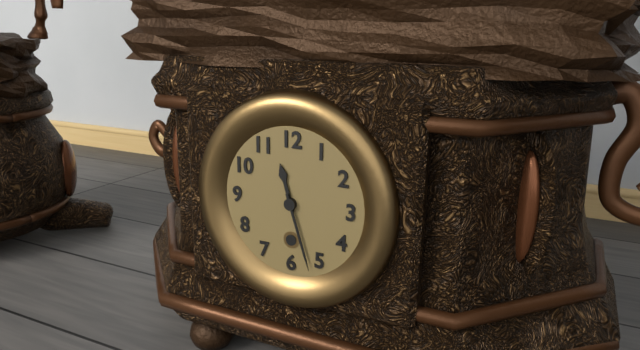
h=11 m=27
